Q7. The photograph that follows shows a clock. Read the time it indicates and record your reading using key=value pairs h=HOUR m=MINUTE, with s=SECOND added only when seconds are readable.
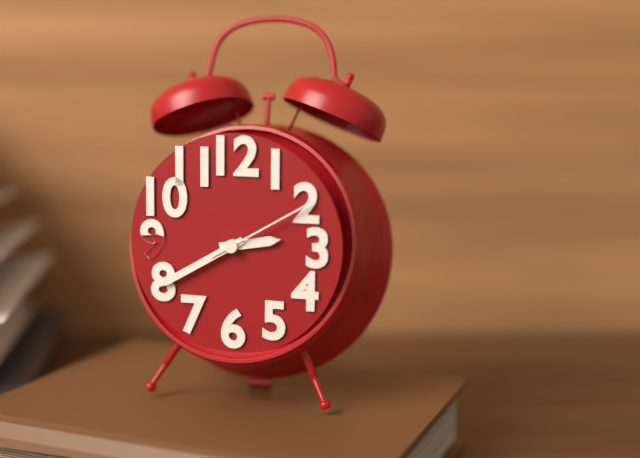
h=2 m=40 s=10
